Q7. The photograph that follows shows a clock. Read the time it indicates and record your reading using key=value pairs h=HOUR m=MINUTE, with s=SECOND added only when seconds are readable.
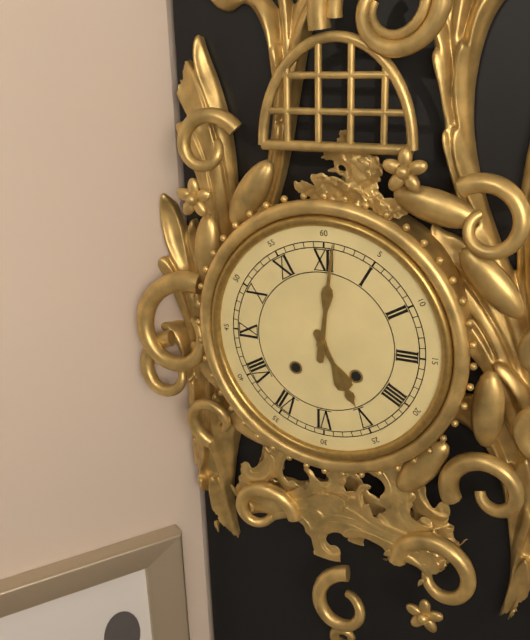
h=5 m=1
